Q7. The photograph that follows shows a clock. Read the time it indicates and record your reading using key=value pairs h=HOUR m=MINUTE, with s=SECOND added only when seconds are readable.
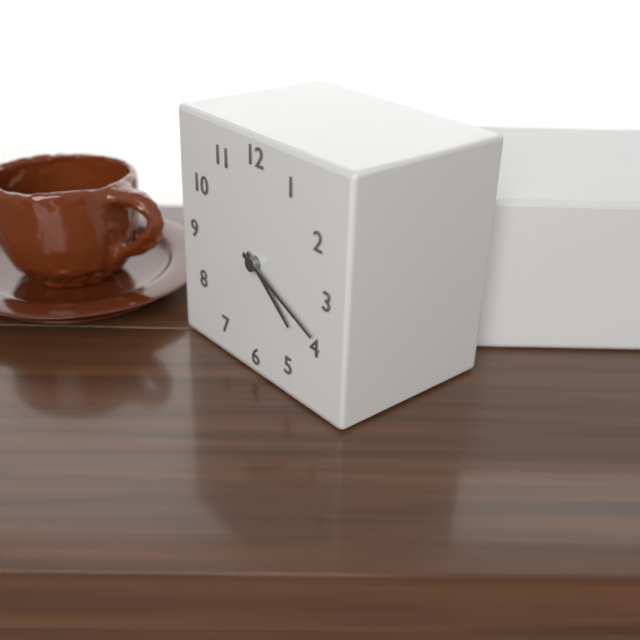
h=4 m=19
